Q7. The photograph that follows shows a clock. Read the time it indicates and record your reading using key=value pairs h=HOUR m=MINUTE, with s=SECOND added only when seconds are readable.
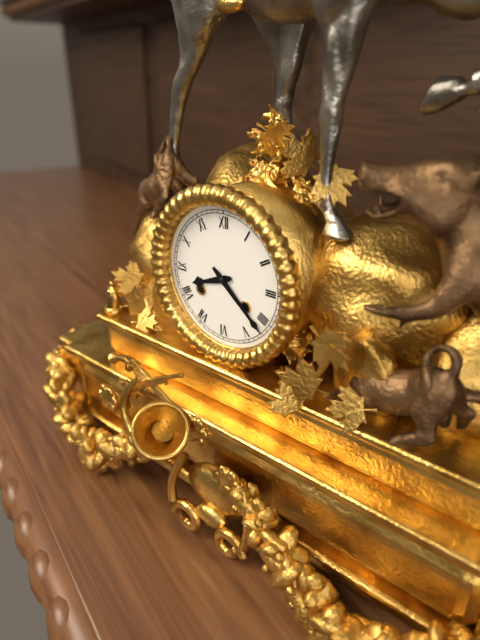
h=8 m=22
